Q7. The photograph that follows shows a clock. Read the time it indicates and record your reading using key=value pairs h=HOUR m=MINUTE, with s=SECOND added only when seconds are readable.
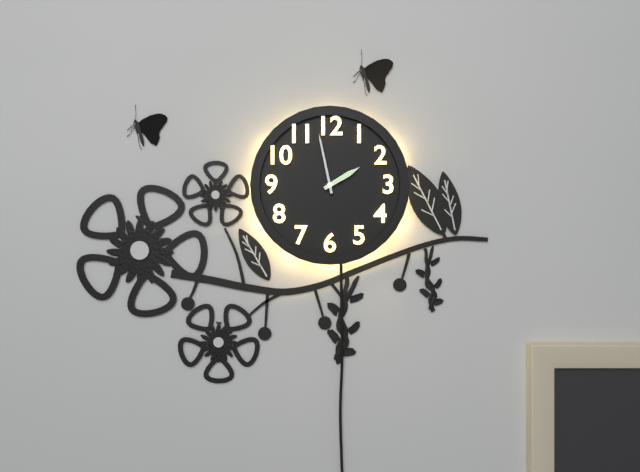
h=1 m=58
